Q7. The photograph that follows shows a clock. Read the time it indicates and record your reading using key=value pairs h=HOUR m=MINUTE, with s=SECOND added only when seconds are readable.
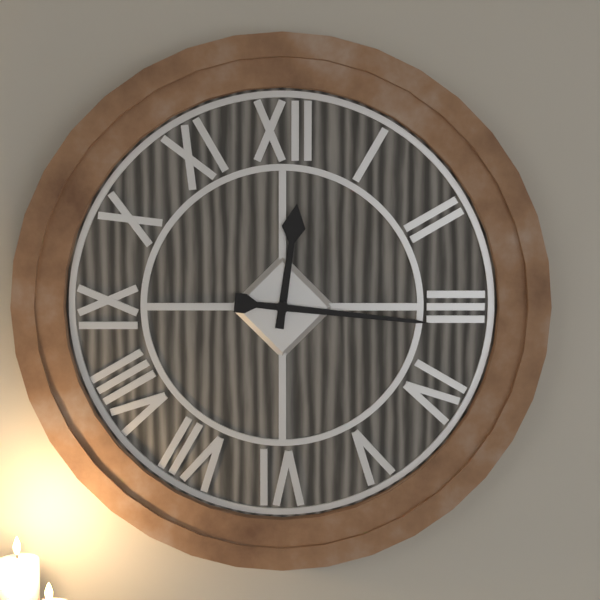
h=12 m=16
